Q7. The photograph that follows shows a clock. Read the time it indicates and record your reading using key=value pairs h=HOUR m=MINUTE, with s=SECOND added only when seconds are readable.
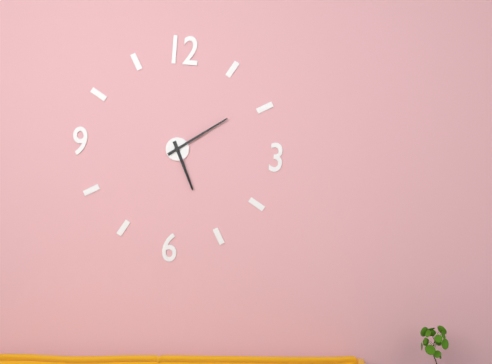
h=5 m=9
